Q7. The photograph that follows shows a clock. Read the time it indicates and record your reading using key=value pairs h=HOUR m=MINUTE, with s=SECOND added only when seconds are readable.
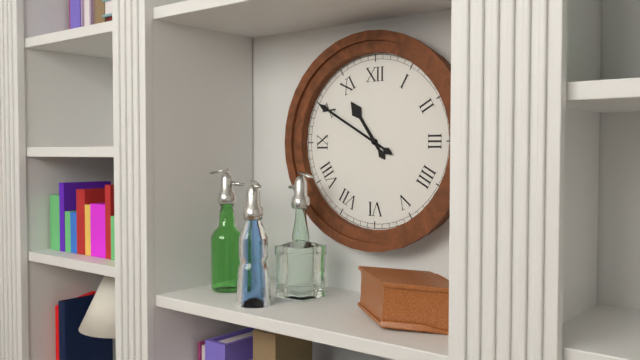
h=10 m=50
